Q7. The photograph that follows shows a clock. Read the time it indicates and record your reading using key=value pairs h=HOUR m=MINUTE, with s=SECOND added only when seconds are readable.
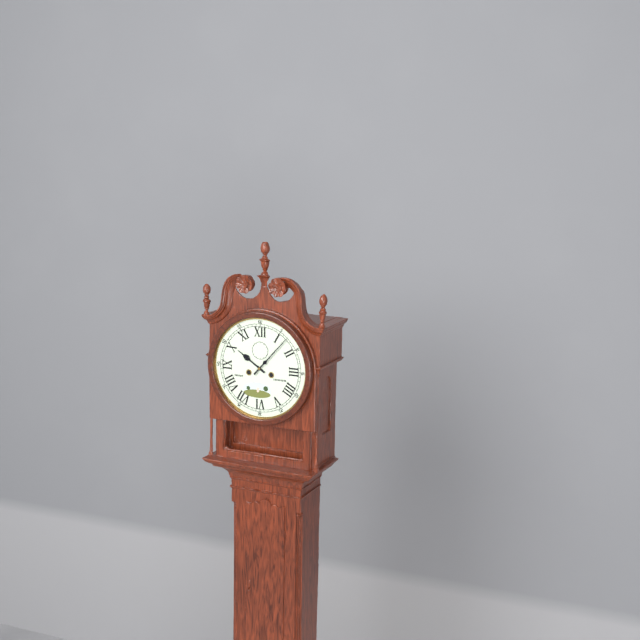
h=10 m=7
